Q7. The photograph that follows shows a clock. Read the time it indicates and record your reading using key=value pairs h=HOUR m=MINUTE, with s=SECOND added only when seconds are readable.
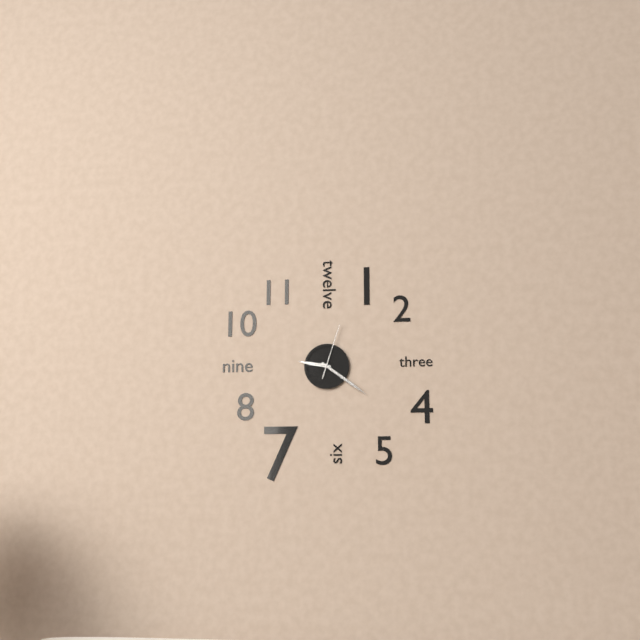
h=9 m=21 s=3
